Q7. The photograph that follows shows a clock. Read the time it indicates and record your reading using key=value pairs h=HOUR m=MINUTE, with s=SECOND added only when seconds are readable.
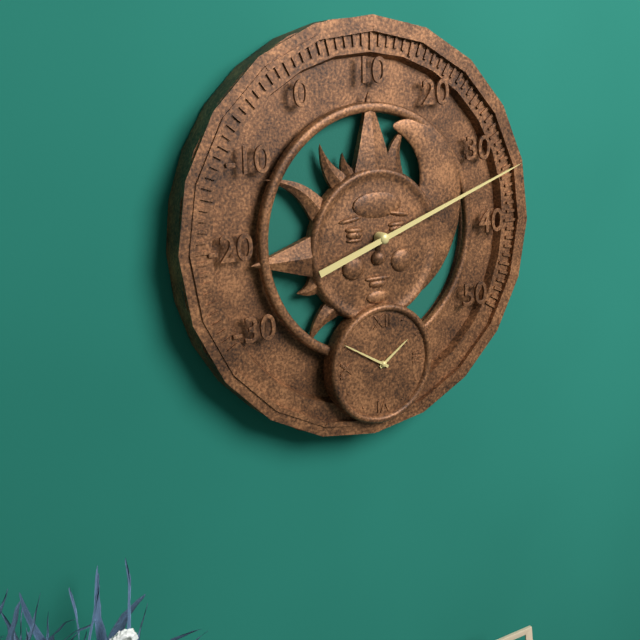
h=1 m=50
